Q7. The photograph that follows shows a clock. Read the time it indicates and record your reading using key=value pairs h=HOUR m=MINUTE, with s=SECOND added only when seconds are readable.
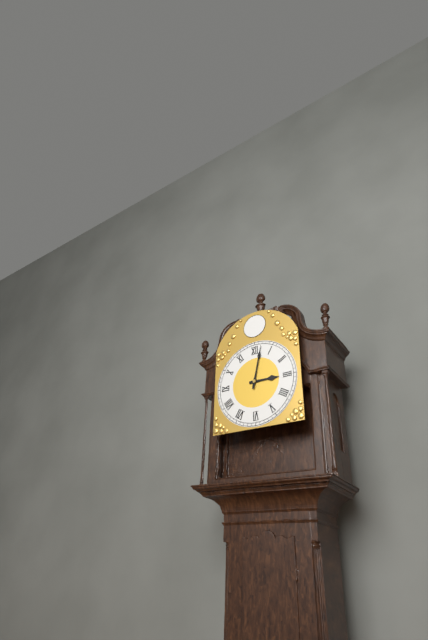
h=3 m=2
